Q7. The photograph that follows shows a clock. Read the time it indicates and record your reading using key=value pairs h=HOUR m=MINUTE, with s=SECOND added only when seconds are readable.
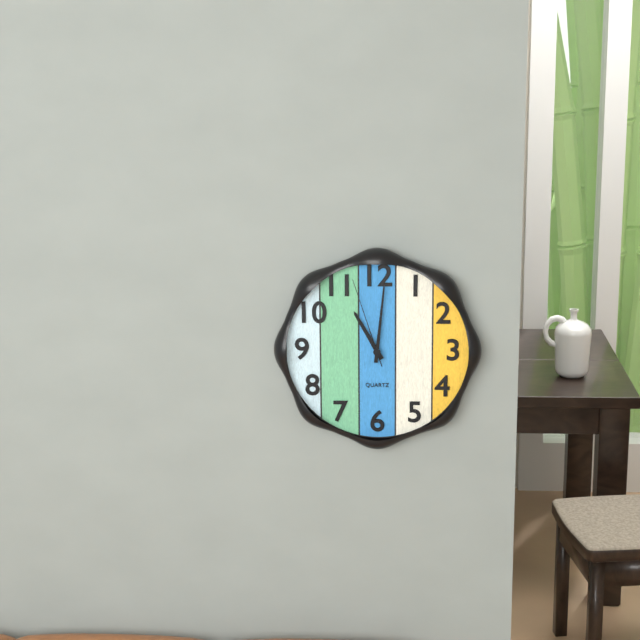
h=11 m=1 s=57
